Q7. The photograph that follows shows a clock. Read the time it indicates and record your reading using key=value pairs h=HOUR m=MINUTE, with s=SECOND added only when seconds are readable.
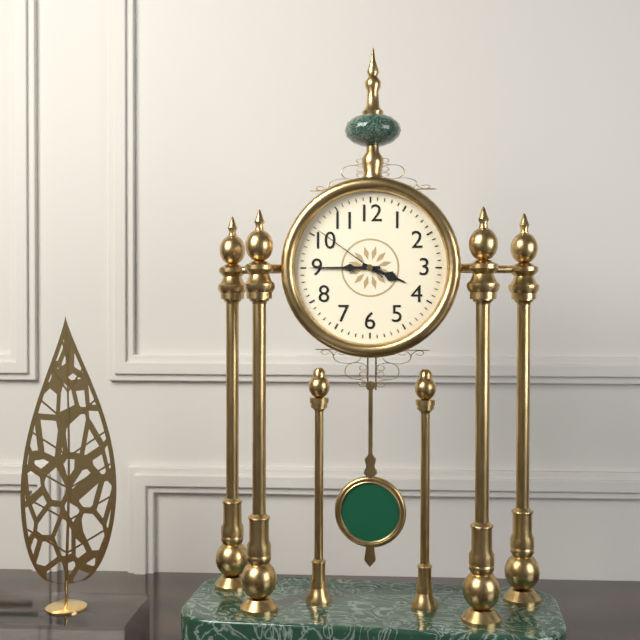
h=3 m=45 s=51
